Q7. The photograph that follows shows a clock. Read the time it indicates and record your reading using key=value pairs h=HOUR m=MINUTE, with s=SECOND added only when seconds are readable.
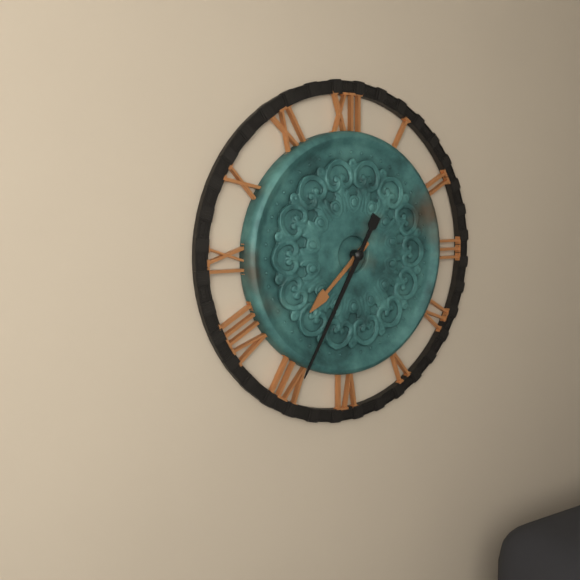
h=7 m=35
